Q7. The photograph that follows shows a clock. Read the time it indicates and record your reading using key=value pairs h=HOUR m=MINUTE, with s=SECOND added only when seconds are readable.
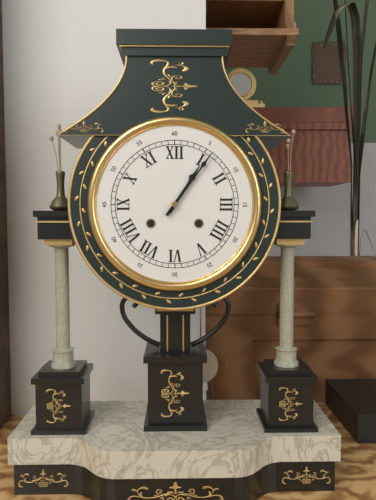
h=1 m=6
